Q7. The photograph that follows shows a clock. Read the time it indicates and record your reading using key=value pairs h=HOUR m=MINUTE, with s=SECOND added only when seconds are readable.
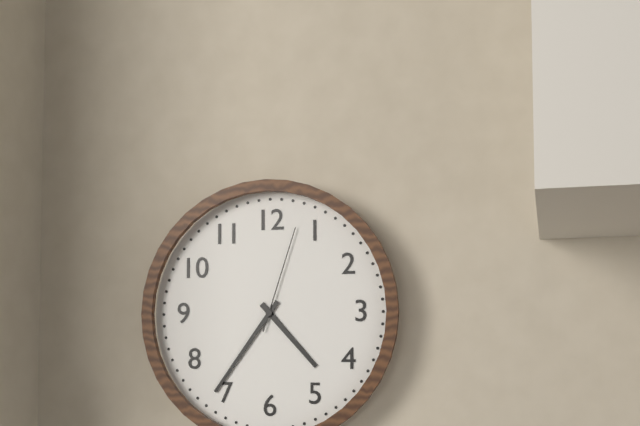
h=4 m=36 s=3
